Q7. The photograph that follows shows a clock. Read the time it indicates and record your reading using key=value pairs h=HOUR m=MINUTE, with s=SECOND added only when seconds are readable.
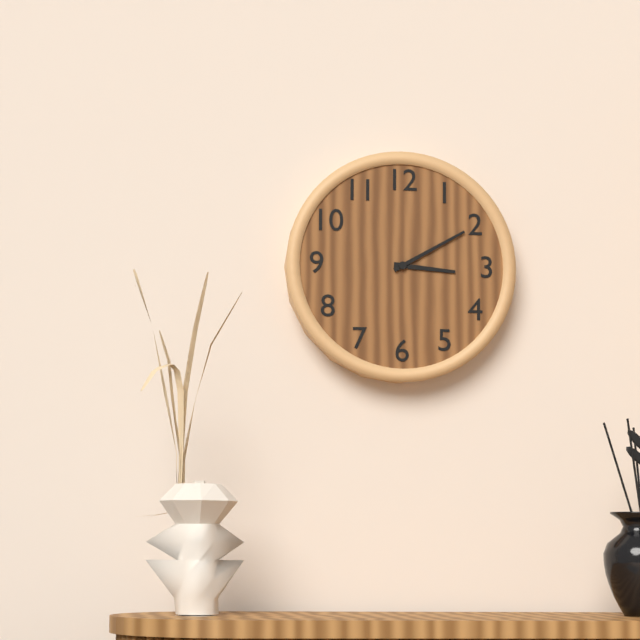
h=3 m=10
